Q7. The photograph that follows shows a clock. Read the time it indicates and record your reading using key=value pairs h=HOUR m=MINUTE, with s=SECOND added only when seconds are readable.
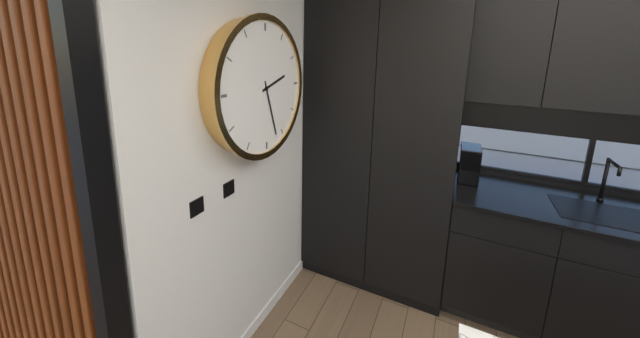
h=2 m=27
